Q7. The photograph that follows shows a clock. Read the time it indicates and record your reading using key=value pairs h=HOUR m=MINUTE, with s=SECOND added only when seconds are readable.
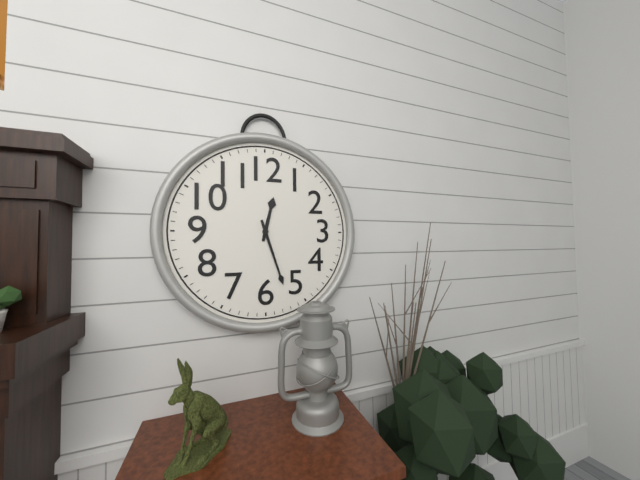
h=12 m=27
